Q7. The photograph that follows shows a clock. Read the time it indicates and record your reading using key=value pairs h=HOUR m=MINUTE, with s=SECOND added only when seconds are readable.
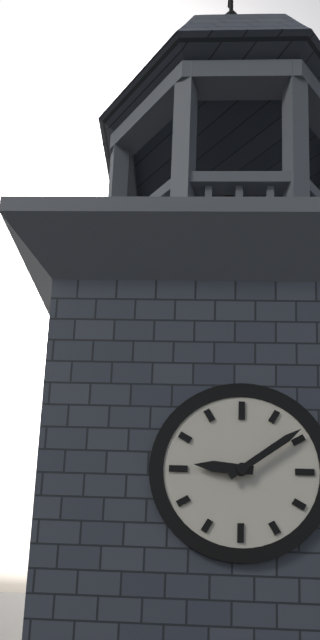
h=9 m=9
